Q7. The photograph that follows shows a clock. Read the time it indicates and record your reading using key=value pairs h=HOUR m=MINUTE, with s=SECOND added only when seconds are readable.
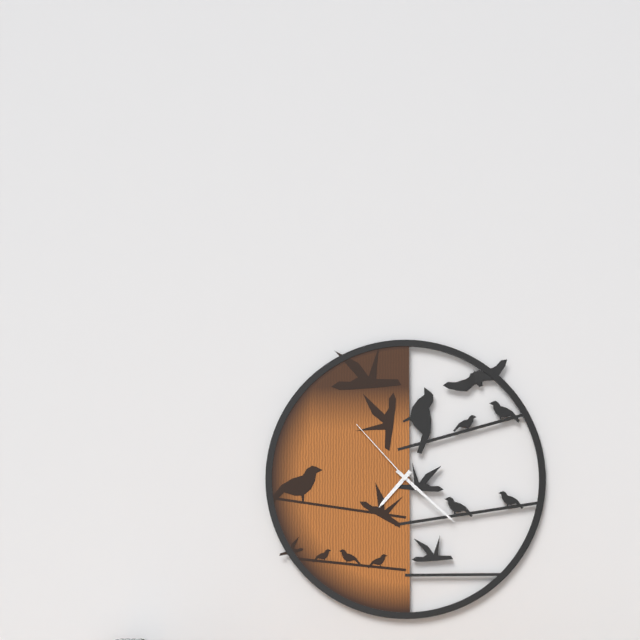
h=7 m=22 s=53
